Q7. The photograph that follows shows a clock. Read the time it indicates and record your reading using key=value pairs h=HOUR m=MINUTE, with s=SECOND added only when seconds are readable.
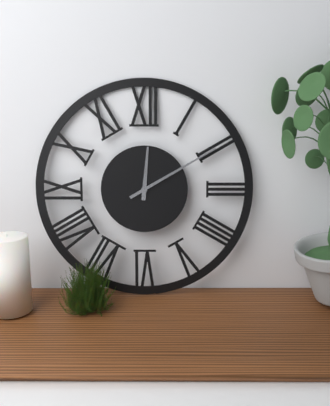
h=12 m=10
